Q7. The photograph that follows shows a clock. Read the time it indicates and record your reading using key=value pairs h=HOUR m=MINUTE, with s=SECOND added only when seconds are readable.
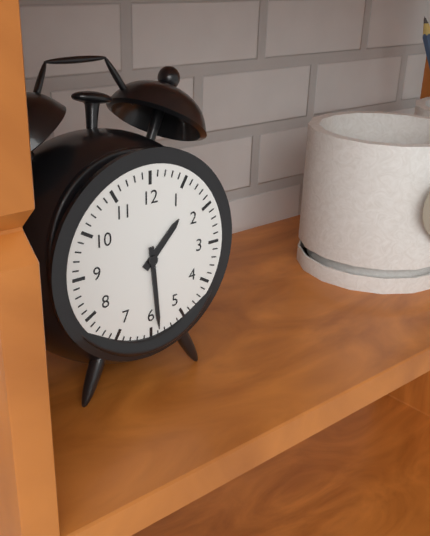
h=1 m=29
